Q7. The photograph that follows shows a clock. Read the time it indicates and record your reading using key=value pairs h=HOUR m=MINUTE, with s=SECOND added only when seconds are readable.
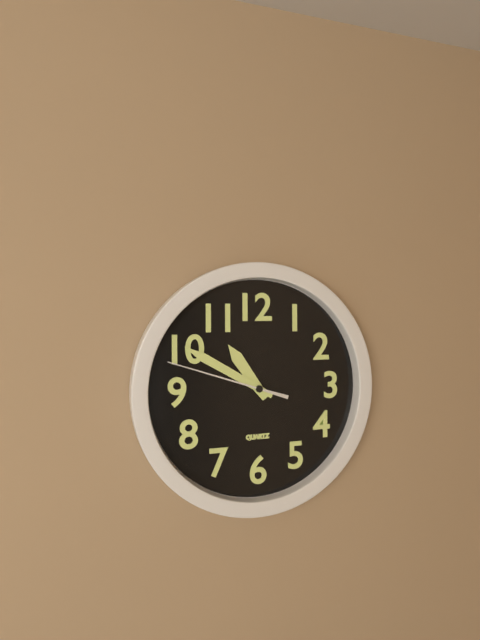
h=10 m=50 s=48
